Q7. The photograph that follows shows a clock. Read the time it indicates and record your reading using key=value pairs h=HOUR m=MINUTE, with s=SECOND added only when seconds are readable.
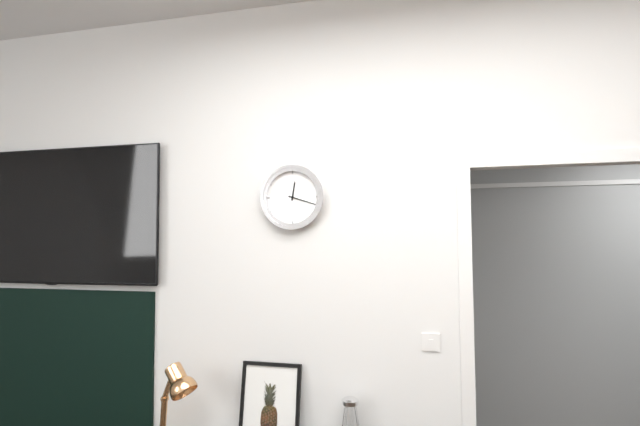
h=12 m=18
